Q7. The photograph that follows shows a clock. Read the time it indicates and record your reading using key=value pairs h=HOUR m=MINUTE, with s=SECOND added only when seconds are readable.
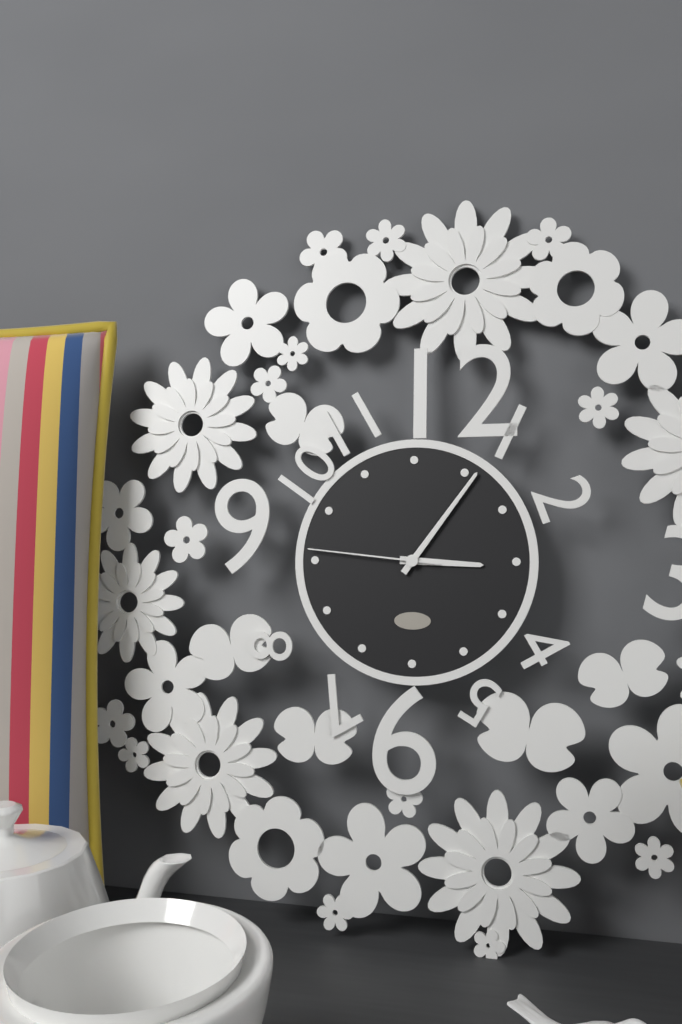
h=3 m=6 s=46
